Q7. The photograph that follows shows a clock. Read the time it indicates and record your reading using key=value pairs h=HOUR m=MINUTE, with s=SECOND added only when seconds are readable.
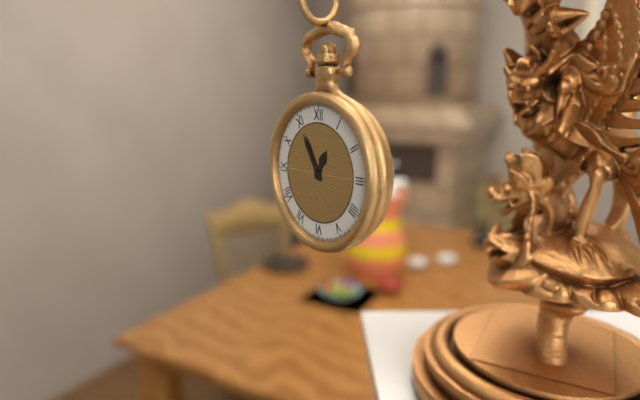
h=12 m=55
